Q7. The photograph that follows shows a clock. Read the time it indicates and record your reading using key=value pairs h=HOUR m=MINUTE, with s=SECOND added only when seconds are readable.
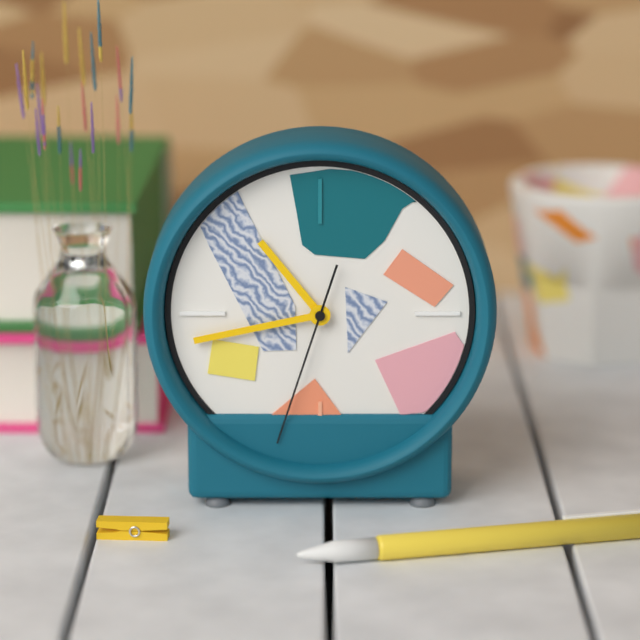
h=10 m=43 s=33
